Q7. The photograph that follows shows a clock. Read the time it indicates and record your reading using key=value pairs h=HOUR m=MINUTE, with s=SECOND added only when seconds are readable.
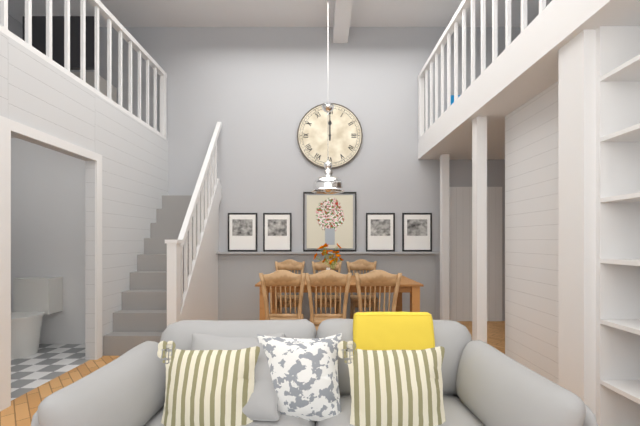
h=12 m=0
